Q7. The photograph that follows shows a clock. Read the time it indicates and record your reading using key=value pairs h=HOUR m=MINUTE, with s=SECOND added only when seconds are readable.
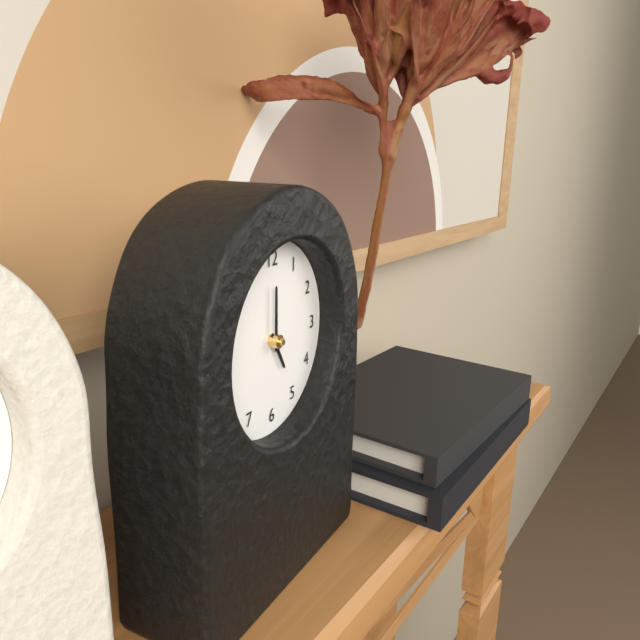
h=5 m=0
